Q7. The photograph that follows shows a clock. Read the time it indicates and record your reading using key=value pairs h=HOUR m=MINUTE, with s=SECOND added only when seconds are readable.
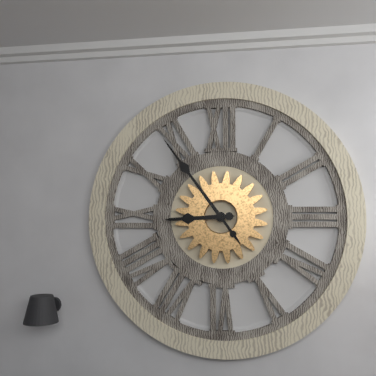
h=8 m=54
